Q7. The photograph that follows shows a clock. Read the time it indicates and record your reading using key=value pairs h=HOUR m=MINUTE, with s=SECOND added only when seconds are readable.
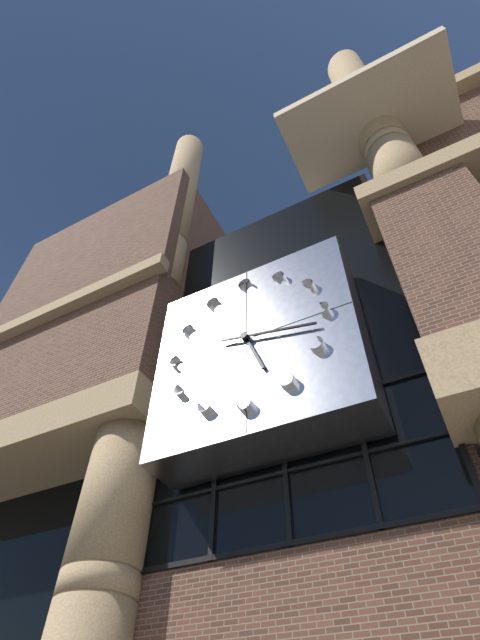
h=5 m=17
